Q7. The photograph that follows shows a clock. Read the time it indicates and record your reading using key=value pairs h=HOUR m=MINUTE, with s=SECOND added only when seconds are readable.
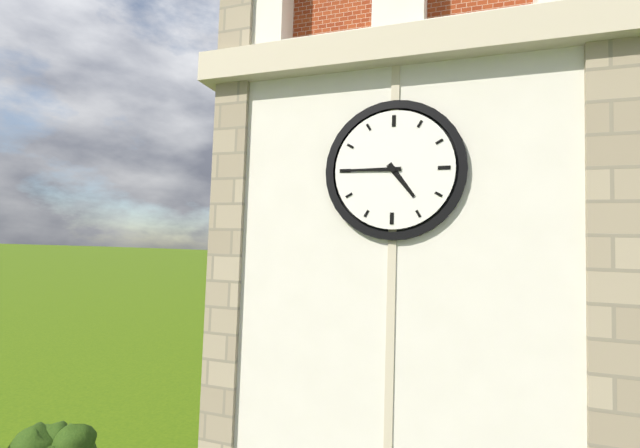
h=4 m=45
